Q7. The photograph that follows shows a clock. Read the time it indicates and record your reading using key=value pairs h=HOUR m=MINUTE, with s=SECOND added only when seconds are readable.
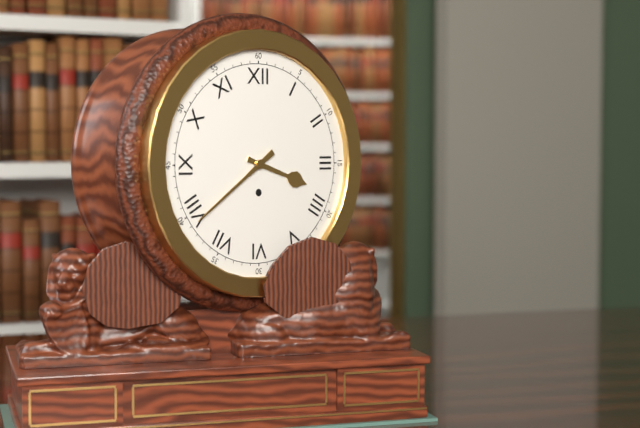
h=3 m=39
